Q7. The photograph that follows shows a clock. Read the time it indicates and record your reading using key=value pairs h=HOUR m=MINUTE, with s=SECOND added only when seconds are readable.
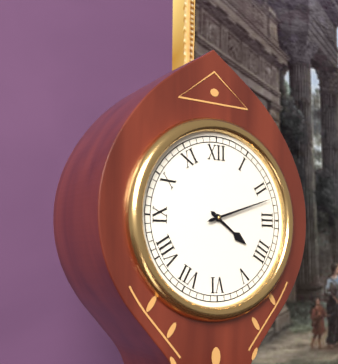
h=4 m=12
